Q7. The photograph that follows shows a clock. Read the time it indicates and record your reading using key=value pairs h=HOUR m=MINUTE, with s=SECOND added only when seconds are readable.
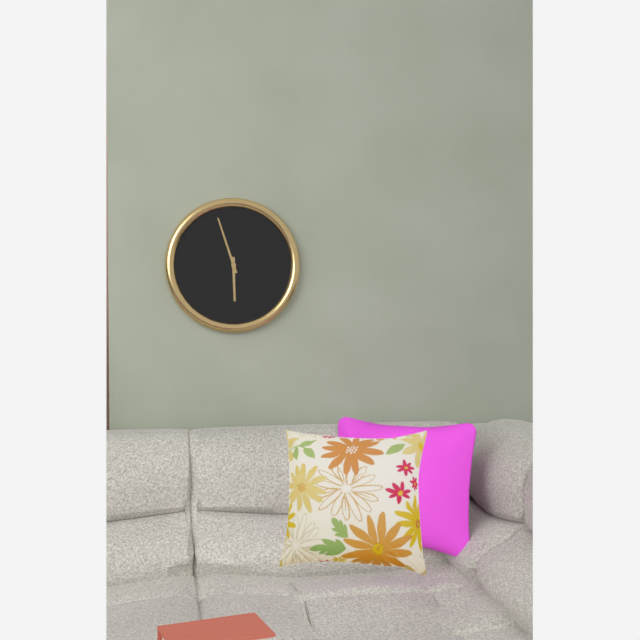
h=5 m=57
